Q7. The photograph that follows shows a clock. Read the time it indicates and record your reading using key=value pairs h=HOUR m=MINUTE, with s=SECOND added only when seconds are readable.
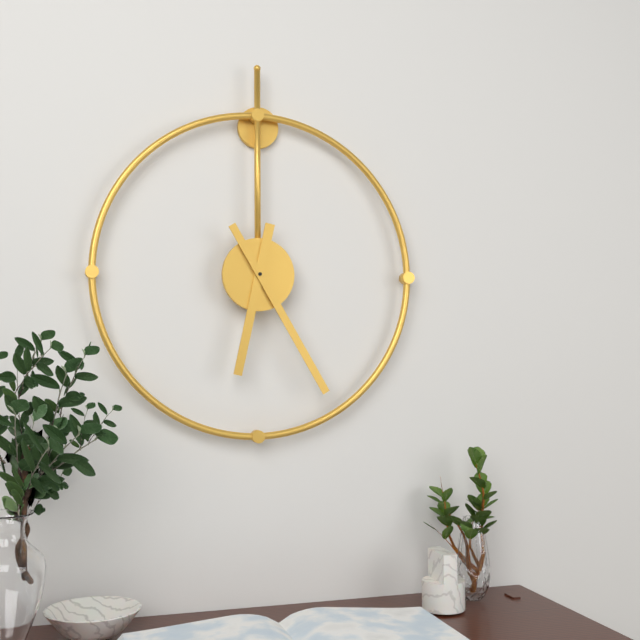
h=6 m=25
